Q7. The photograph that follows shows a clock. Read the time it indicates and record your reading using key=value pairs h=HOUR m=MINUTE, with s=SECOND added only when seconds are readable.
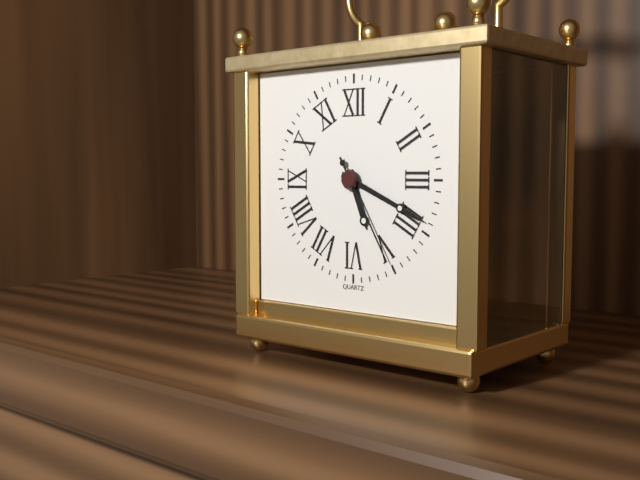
h=5 m=19 s=25
